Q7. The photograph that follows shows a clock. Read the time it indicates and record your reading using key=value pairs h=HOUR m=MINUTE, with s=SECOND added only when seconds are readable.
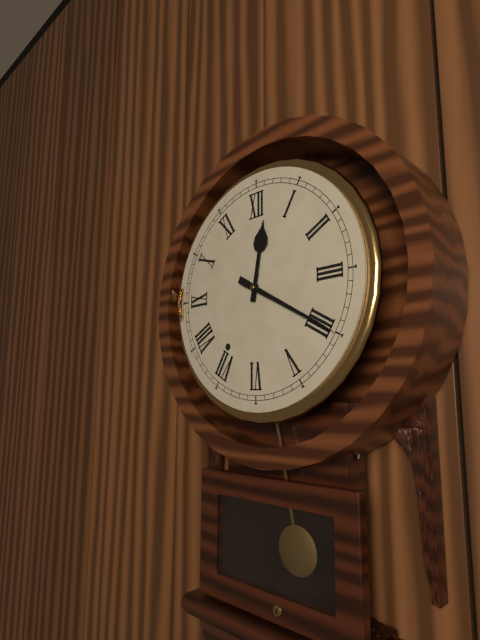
h=12 m=20
